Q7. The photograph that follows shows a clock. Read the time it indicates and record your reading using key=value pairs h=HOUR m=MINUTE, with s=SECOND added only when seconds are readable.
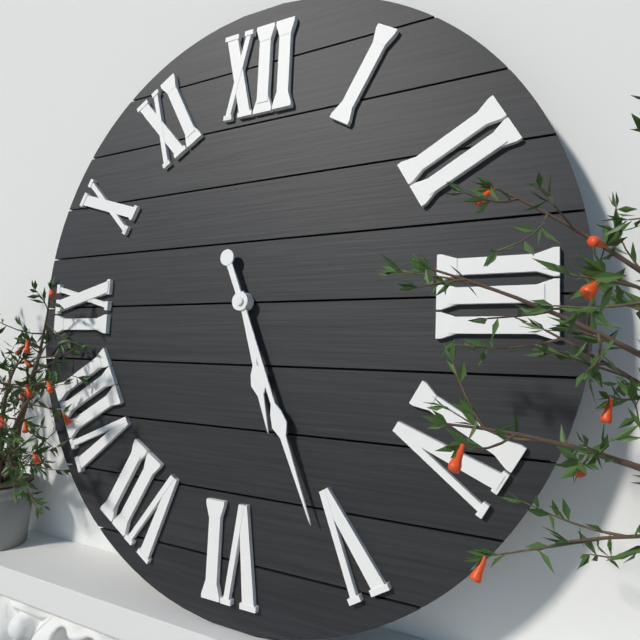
h=5 m=26
